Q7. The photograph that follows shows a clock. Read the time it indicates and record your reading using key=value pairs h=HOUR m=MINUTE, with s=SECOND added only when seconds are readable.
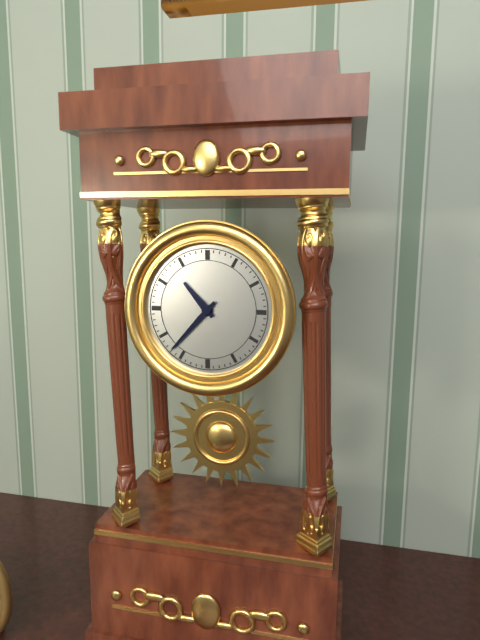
h=10 m=37
